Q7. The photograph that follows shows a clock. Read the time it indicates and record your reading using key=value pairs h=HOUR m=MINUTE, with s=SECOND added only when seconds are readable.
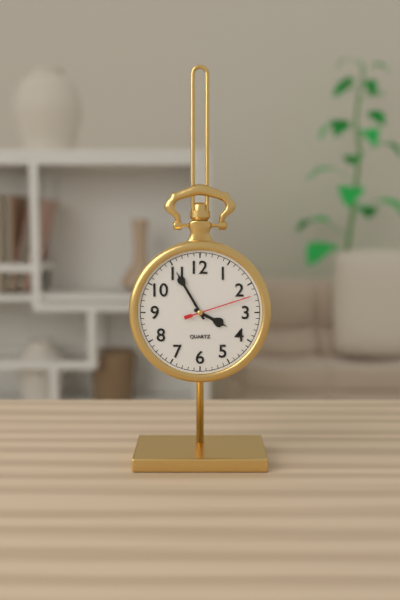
h=3 m=55 s=12
